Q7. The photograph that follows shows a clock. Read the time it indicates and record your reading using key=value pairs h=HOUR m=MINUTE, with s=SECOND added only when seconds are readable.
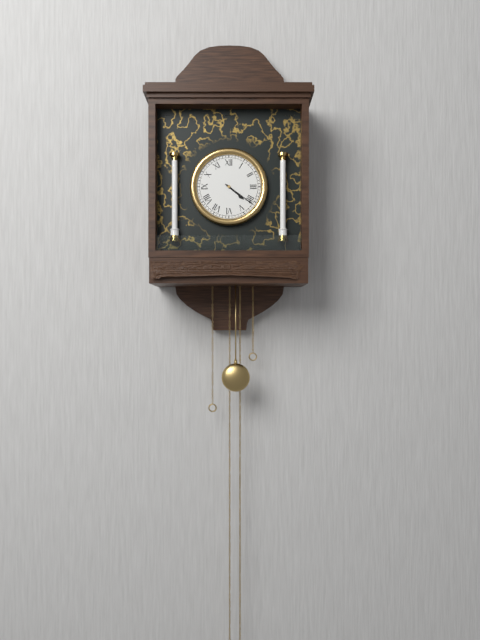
h=4 m=21
